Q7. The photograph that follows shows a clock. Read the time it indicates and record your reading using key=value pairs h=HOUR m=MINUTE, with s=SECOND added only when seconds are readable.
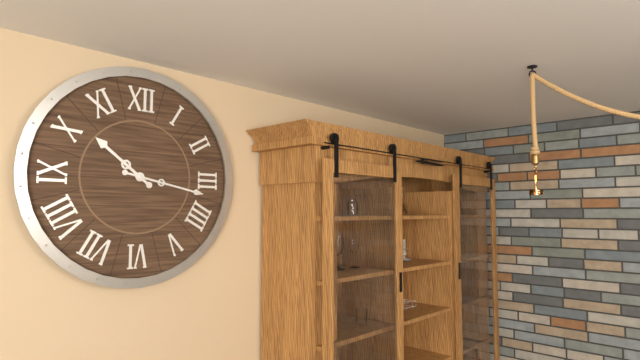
h=10 m=17
